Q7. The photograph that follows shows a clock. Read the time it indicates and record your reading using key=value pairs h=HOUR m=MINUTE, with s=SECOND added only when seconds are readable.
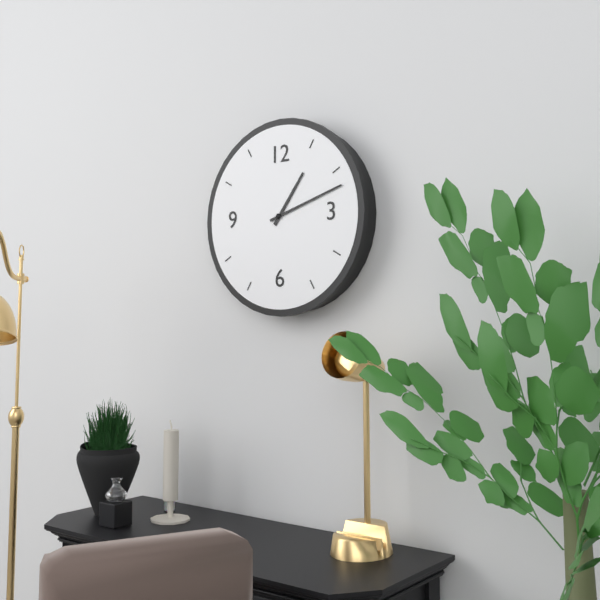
h=1 m=12
